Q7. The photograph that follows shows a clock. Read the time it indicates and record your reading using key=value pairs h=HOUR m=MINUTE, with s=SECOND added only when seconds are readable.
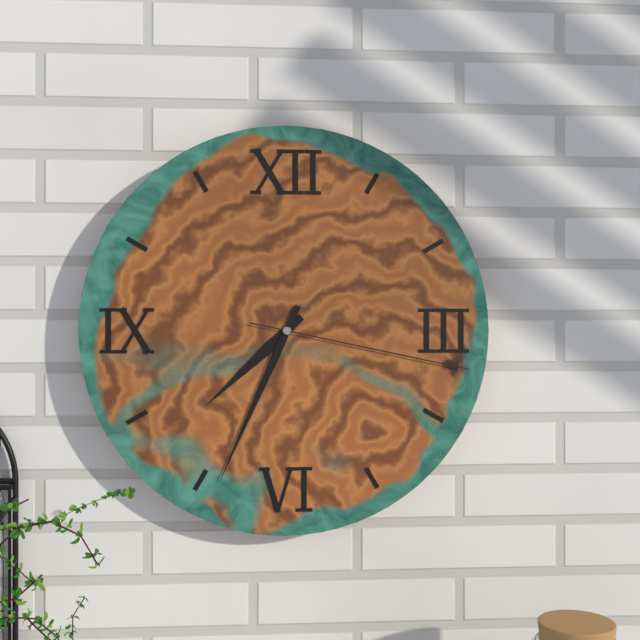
h=7 m=34 s=17
